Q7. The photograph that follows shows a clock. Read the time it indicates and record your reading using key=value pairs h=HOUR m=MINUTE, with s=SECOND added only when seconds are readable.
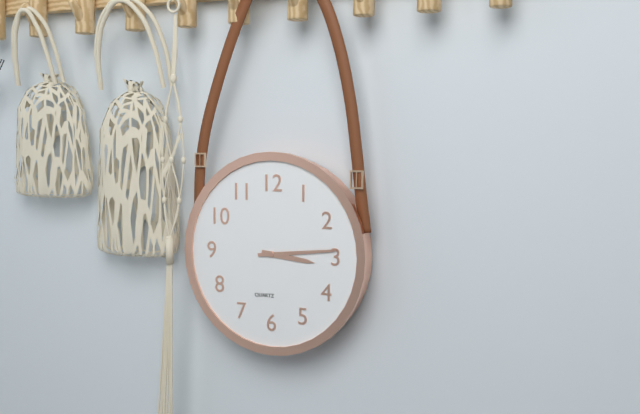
h=3 m=14
